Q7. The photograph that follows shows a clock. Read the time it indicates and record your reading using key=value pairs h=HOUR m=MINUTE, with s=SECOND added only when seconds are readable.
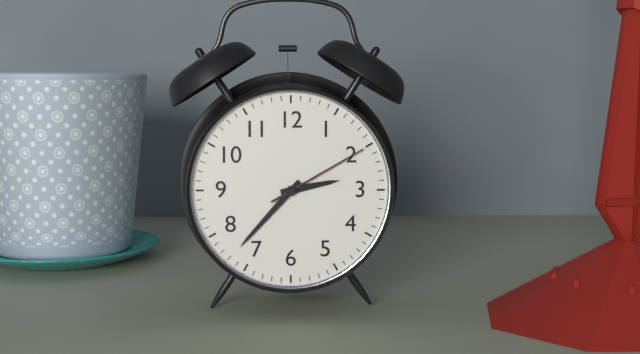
h=2 m=37 s=10
